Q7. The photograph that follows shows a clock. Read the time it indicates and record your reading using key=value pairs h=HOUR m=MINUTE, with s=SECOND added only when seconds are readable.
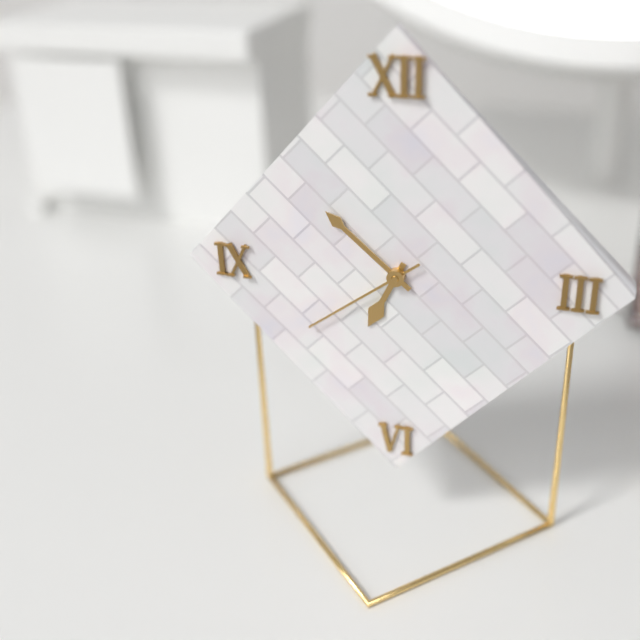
h=6 m=52 s=39
